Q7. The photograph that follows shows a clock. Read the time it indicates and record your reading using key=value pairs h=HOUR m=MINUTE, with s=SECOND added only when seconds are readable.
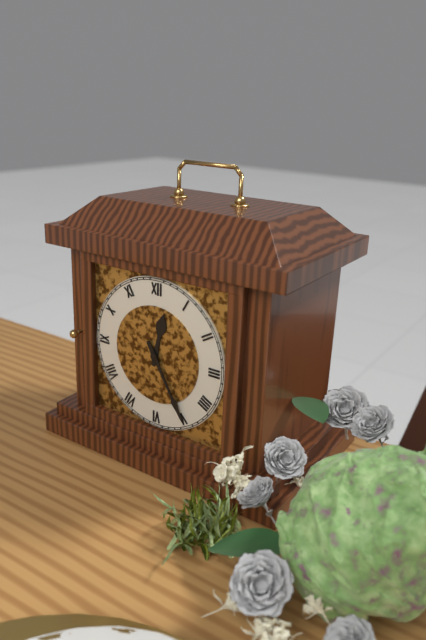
h=12 m=25
